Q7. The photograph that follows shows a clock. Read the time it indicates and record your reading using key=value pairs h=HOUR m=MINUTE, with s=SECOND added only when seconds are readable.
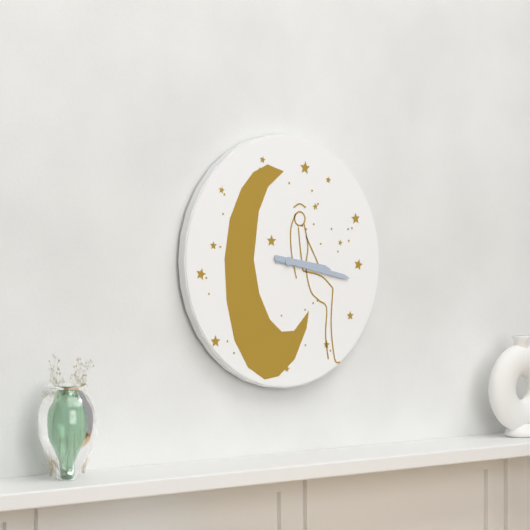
h=3 m=17
